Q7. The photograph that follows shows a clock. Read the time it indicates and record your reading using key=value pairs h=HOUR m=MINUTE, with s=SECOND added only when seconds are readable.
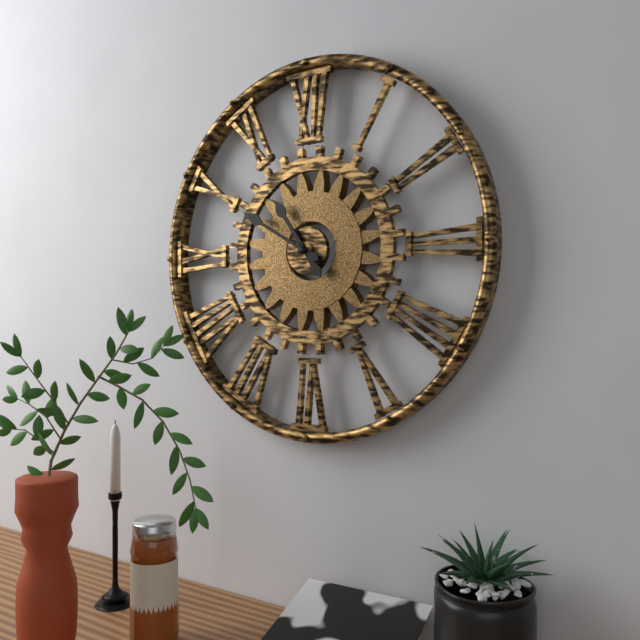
h=10 m=50
